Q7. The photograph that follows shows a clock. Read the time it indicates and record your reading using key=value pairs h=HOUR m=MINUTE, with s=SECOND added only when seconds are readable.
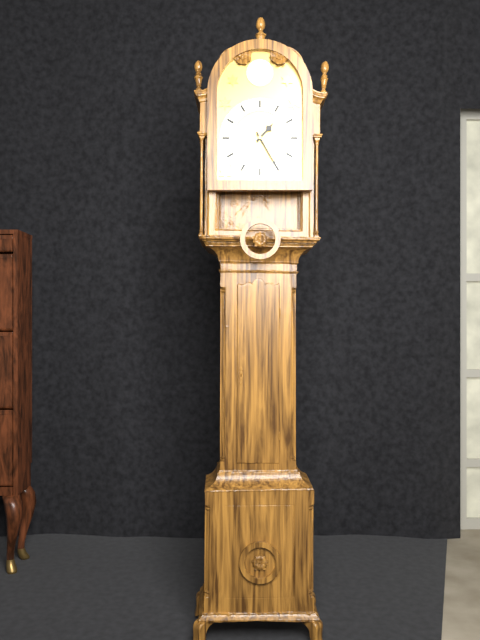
h=1 m=25
